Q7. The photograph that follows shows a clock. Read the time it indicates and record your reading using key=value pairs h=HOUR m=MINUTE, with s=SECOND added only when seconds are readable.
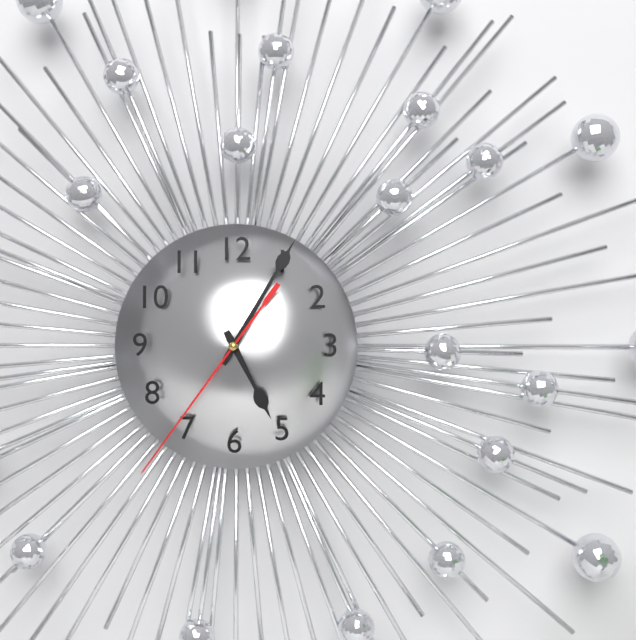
h=5 m=5 s=36
